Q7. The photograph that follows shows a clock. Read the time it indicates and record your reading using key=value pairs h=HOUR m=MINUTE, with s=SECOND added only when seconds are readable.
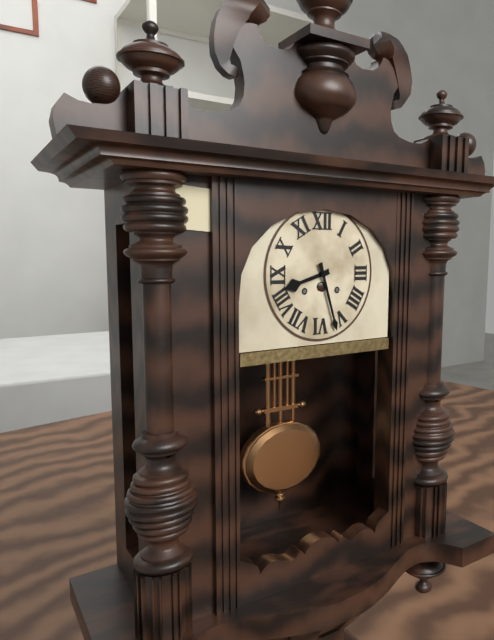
h=8 m=27
